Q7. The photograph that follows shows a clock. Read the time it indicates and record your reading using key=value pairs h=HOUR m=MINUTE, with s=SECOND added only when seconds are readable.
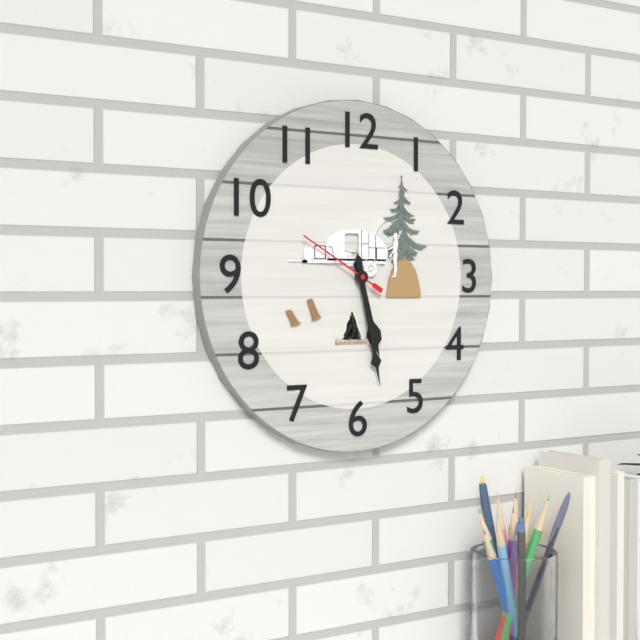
h=5 m=28 s=50
